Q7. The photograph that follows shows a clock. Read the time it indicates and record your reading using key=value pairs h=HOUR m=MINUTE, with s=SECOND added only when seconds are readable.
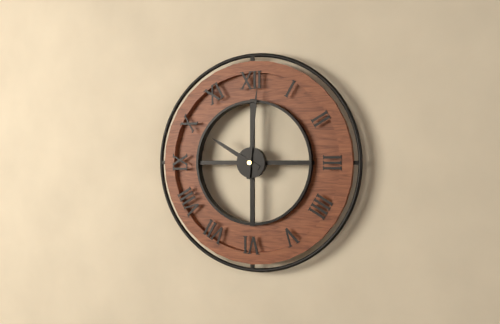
h=10 m=1
